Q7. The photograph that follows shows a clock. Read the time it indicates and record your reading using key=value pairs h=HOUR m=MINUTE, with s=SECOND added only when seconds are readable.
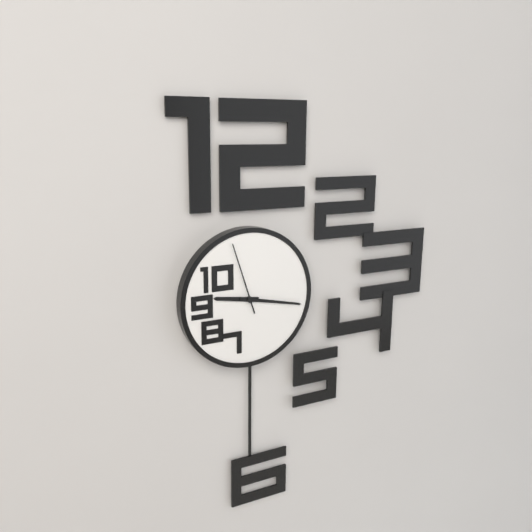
h=9 m=17 s=57
